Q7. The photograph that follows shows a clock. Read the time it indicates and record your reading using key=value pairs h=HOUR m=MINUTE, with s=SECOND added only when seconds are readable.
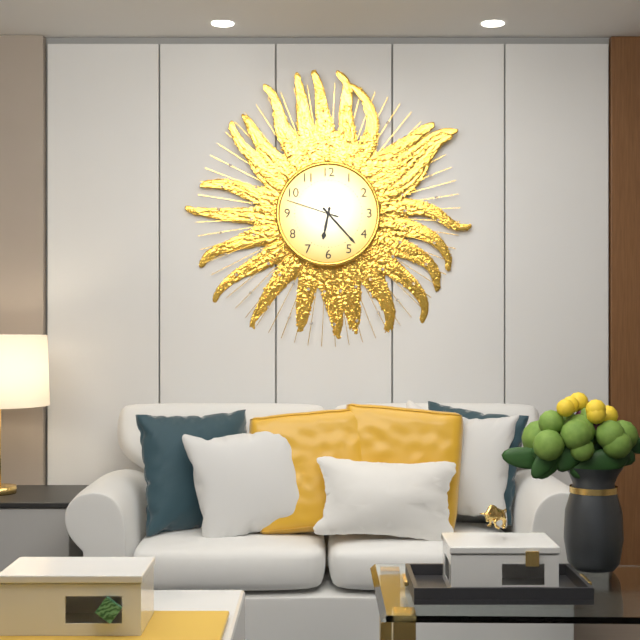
h=6 m=23 s=48
